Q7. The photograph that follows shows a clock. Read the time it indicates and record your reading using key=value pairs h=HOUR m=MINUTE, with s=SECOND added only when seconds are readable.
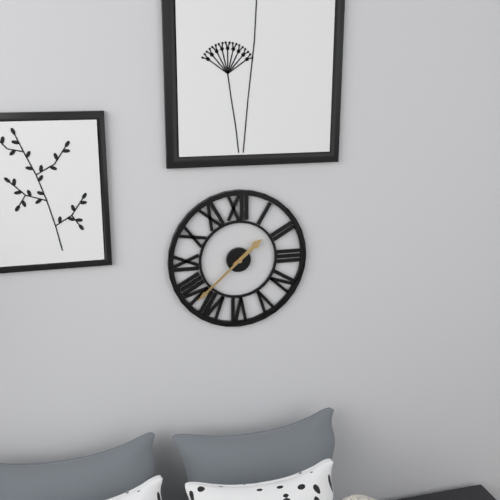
h=1 m=38
